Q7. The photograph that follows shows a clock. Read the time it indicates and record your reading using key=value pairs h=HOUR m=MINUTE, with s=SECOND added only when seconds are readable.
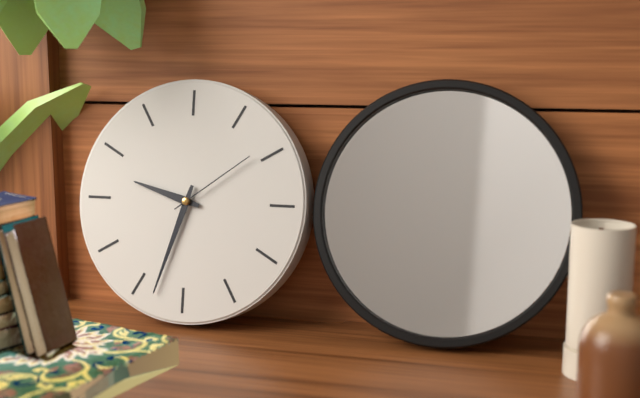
h=9 m=33 s=9
